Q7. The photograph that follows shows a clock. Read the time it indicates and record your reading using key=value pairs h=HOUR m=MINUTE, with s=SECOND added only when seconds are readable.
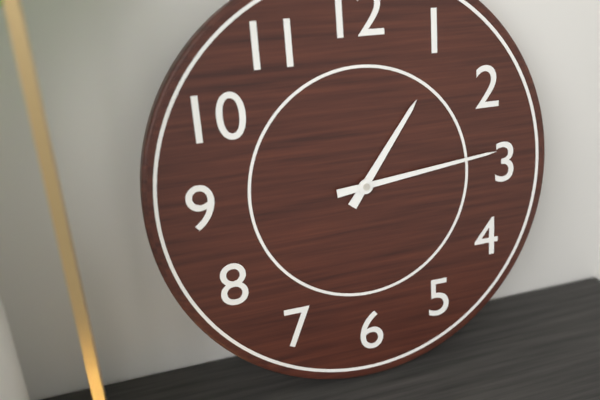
h=1 m=14
